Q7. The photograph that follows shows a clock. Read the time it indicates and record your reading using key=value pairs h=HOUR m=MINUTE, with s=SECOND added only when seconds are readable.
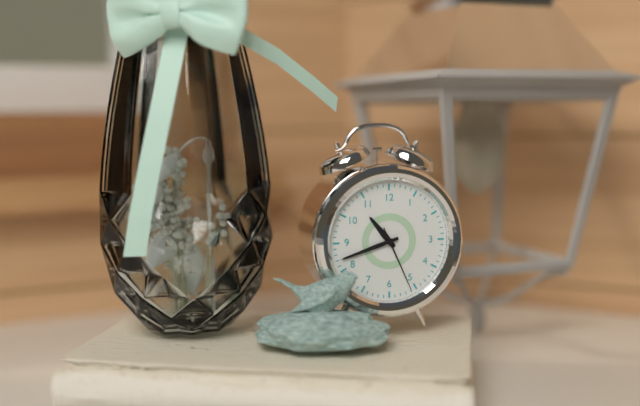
h=10 m=42 s=26
